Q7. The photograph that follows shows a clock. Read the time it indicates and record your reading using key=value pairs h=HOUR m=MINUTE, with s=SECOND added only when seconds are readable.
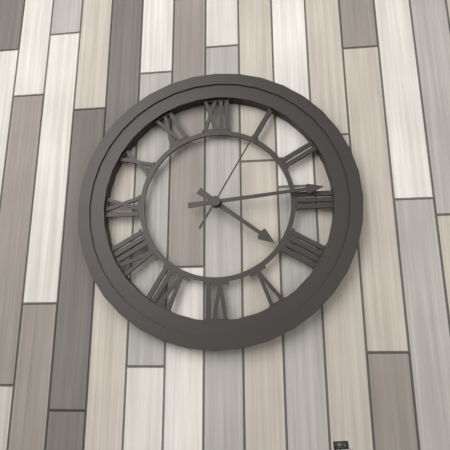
h=4 m=14 s=5
